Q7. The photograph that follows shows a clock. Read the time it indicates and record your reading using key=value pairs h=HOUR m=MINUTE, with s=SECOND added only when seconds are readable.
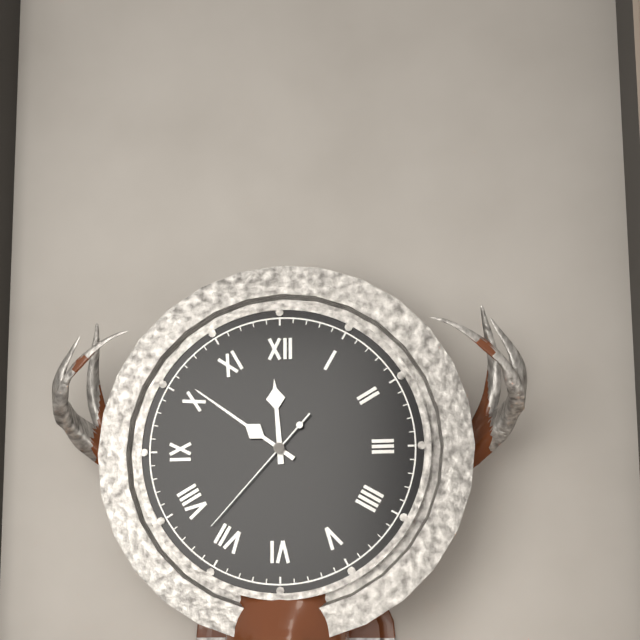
h=11 m=51 s=37
